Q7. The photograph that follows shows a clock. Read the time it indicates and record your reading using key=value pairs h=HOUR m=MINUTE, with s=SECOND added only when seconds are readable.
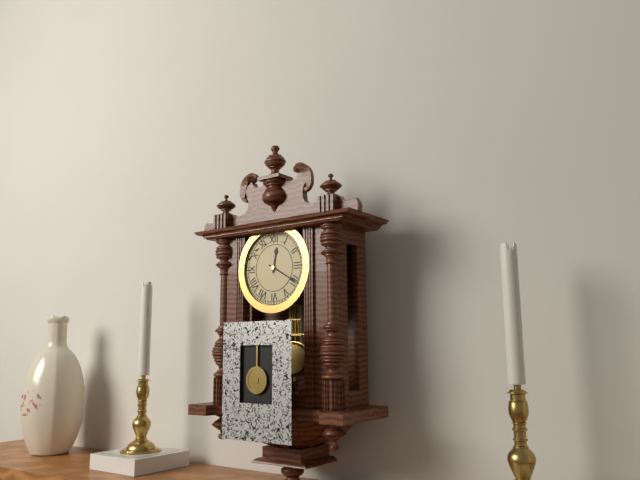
h=12 m=20
